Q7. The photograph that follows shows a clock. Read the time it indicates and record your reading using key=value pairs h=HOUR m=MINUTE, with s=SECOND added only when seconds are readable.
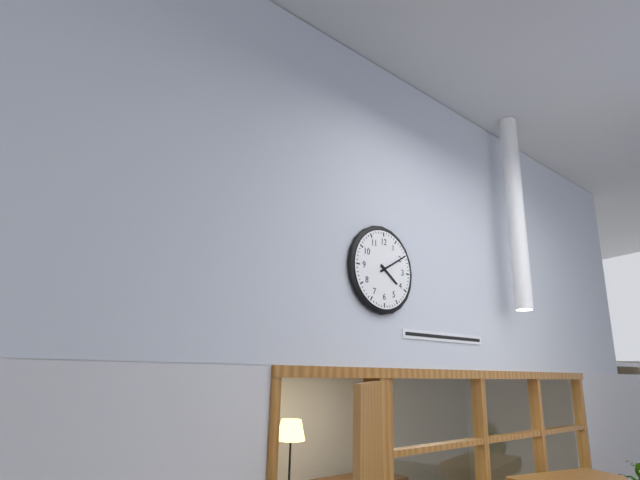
h=4 m=10
